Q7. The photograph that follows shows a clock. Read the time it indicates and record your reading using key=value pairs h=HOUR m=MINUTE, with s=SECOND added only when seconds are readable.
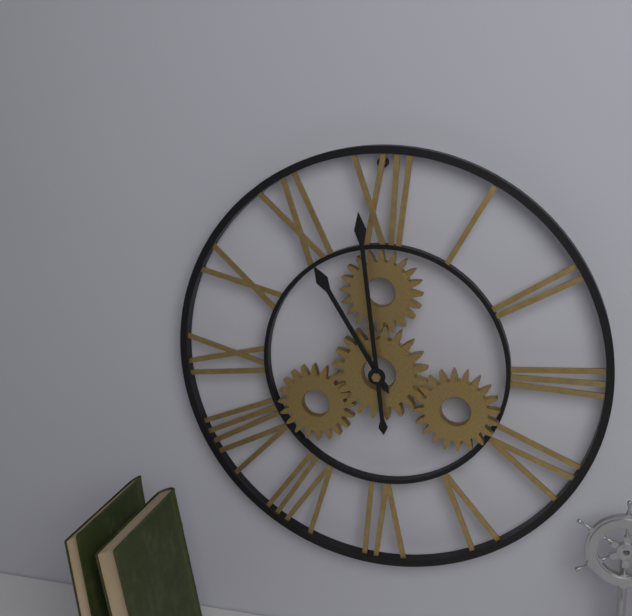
h=10 m=59
